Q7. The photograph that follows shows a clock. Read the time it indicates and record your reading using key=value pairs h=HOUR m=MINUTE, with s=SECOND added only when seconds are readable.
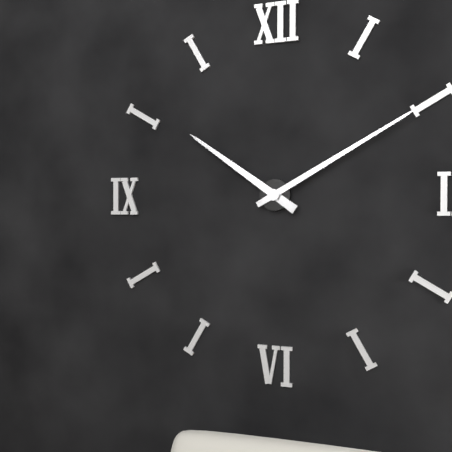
h=10 m=10
